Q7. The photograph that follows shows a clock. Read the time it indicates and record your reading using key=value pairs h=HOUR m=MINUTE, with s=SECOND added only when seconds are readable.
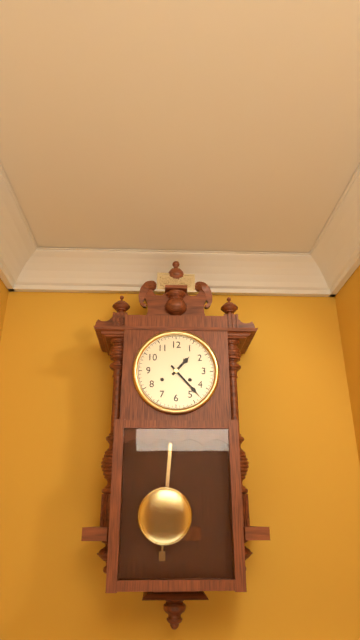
h=1 m=23
